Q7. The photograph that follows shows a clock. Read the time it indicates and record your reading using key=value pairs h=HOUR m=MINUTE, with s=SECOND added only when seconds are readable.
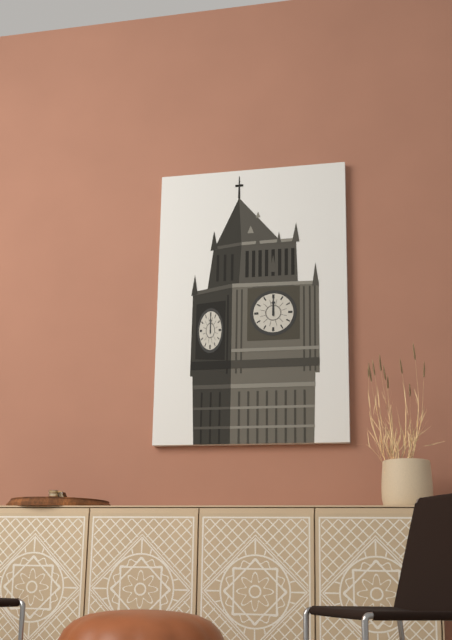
h=12 m=0
